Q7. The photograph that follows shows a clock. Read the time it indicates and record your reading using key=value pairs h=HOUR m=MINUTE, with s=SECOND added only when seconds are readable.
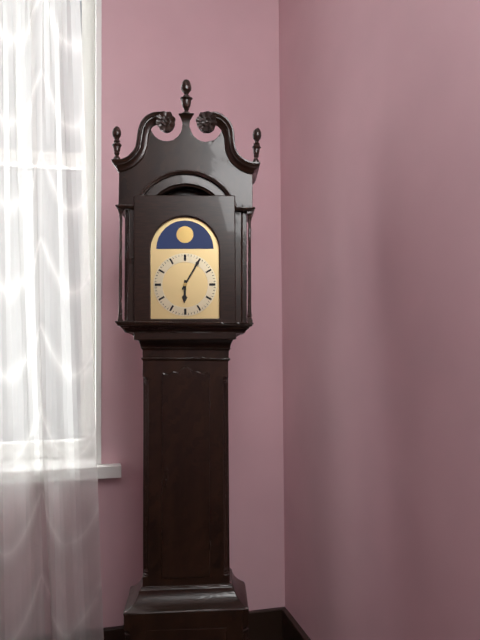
h=6 m=5
